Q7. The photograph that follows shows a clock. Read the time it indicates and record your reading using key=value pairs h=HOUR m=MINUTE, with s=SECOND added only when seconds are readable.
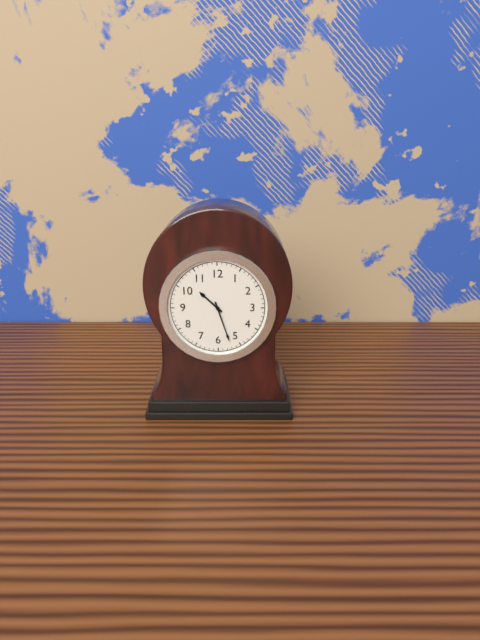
h=10 m=27
